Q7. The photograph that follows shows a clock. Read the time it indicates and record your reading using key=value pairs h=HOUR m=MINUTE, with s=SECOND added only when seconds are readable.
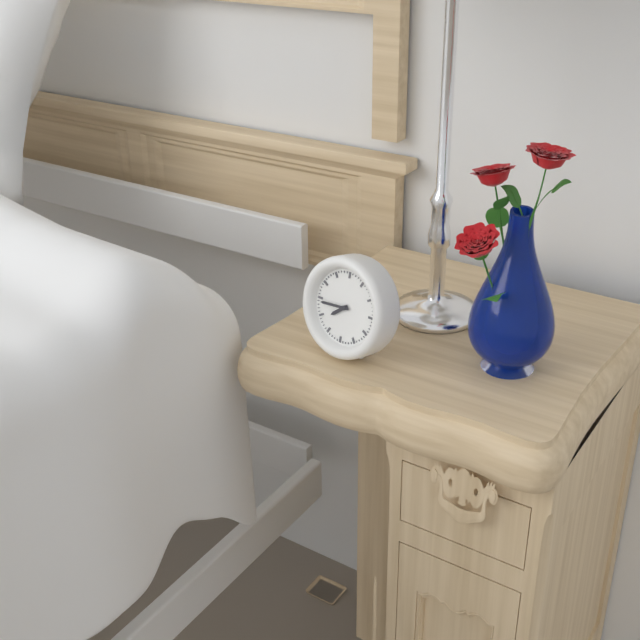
h=7 m=44
